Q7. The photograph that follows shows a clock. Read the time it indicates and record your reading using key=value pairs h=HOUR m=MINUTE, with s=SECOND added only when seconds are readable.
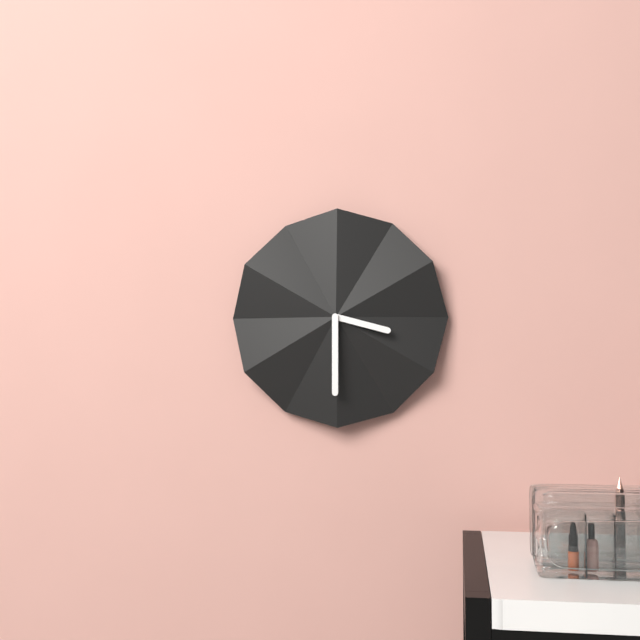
h=3 m=30
